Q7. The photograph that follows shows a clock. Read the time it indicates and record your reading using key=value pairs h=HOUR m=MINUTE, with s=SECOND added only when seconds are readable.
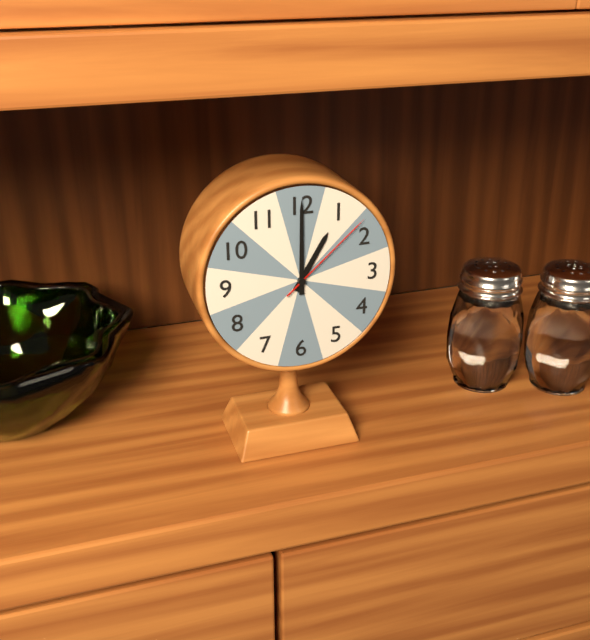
h=1 m=0 s=8
